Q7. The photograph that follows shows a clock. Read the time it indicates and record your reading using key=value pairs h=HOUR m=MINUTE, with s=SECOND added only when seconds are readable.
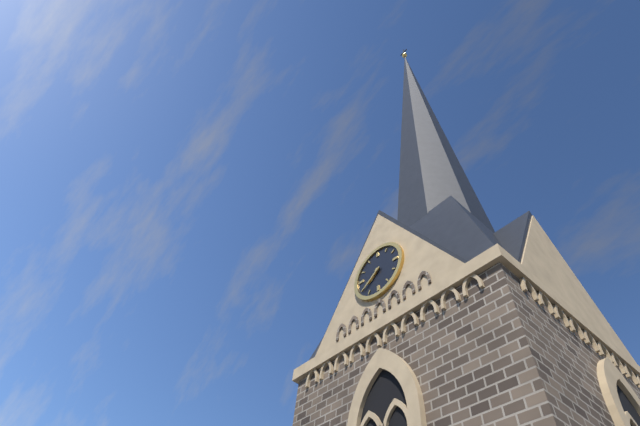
h=7 m=39
